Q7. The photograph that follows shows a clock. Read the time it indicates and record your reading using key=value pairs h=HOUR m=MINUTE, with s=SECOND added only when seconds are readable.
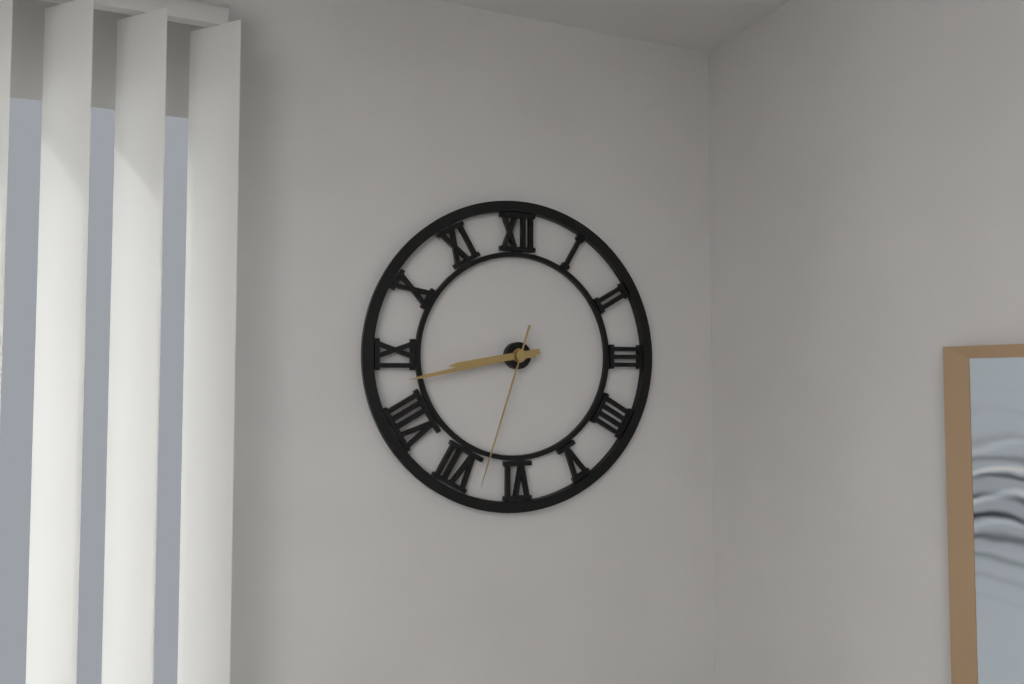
h=8 m=43 s=33
